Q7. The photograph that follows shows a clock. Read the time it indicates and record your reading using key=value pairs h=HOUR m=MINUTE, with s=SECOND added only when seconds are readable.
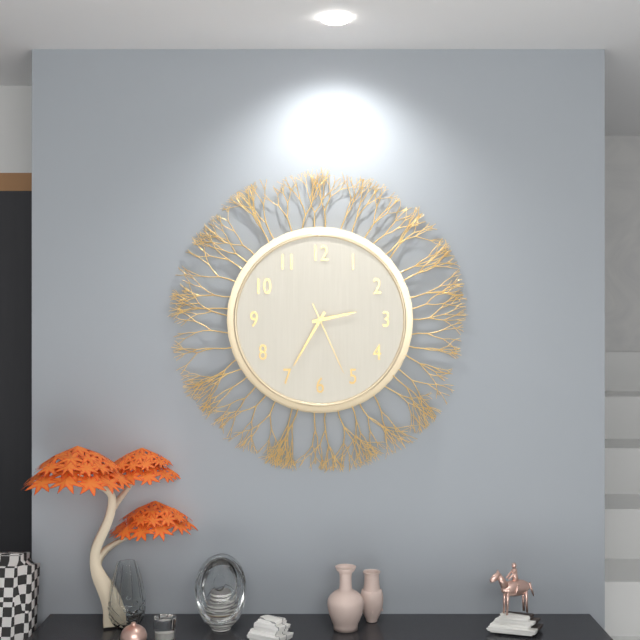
h=2 m=35 s=26
